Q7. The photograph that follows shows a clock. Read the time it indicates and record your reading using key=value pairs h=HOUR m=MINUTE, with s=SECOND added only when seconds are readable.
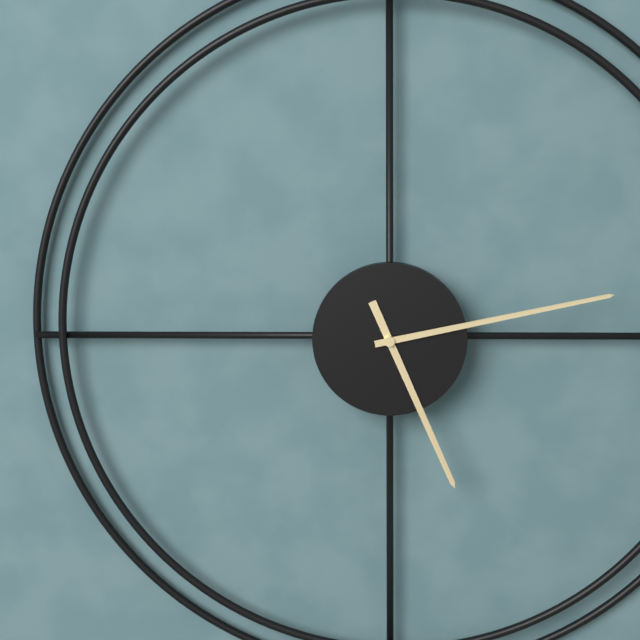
h=5 m=13
